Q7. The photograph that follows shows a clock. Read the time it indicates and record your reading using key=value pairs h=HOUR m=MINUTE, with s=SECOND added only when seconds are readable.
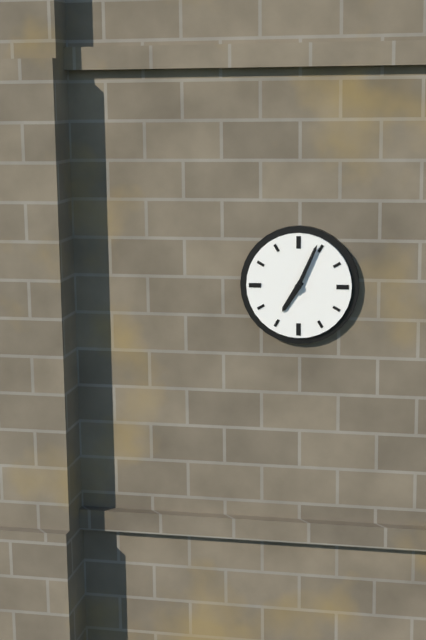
h=7 m=4
